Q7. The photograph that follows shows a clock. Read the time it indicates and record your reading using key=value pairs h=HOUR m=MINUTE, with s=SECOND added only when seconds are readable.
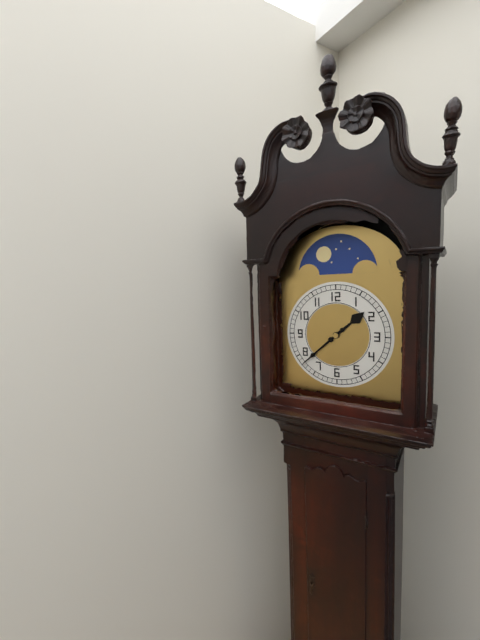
h=1 m=38
